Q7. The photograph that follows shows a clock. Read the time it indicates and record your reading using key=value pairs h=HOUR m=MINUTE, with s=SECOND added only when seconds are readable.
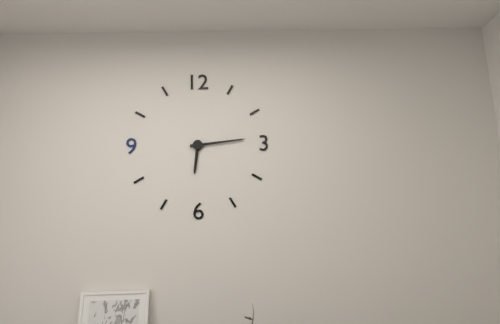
h=6 m=14
